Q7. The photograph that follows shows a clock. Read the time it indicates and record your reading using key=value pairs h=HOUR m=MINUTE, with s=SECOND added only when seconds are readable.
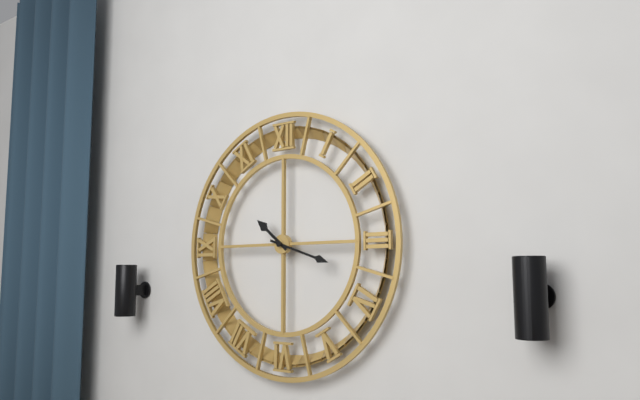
h=10 m=18
